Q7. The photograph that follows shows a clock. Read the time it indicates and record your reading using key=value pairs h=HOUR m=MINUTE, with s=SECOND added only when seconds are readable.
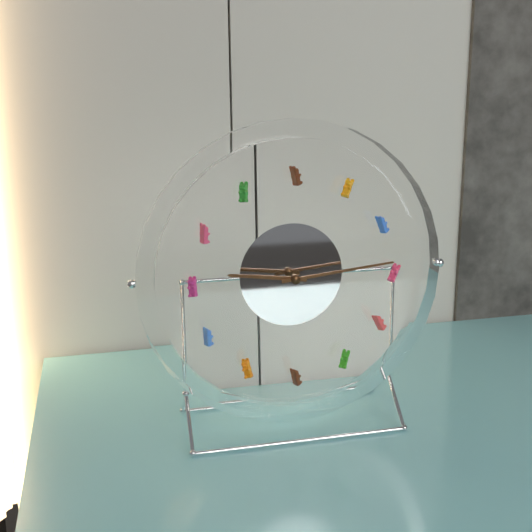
h=9 m=14
